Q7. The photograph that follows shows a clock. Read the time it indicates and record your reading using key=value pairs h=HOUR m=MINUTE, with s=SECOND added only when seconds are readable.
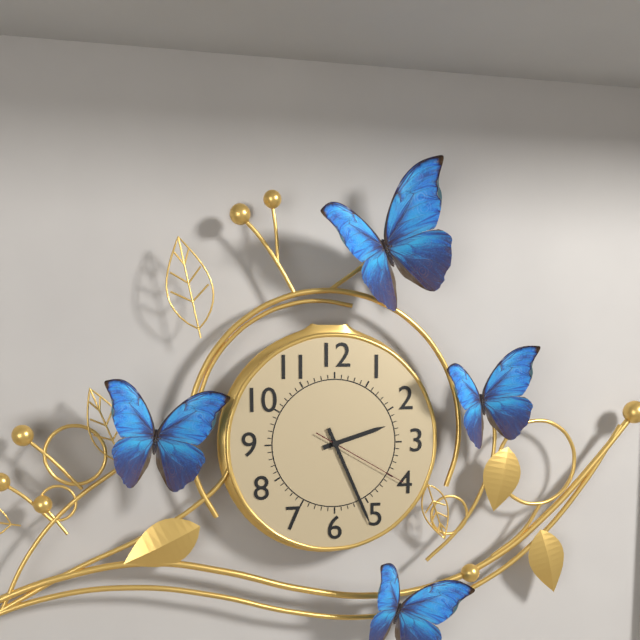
h=2 m=26 s=20
